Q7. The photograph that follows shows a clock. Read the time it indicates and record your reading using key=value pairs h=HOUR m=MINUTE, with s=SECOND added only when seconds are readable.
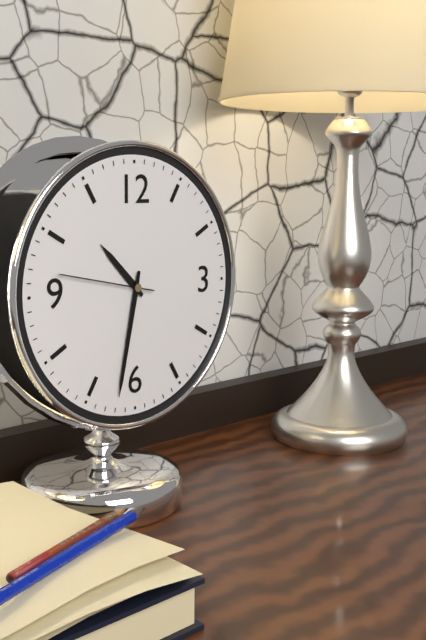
h=10 m=32 s=47
